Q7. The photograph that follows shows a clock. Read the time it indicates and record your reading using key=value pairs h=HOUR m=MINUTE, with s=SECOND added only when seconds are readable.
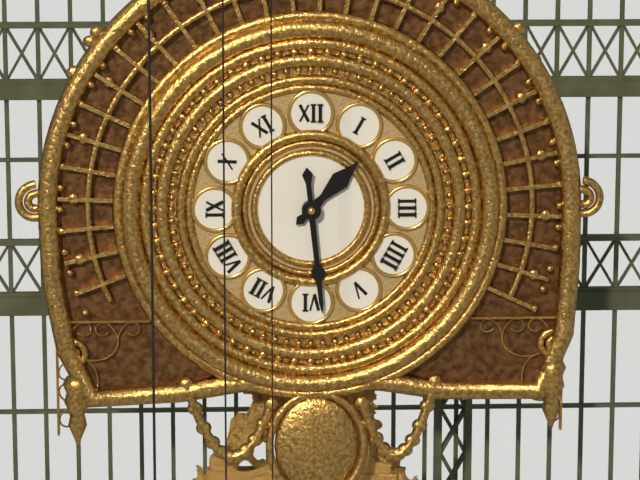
h=1 m=29
